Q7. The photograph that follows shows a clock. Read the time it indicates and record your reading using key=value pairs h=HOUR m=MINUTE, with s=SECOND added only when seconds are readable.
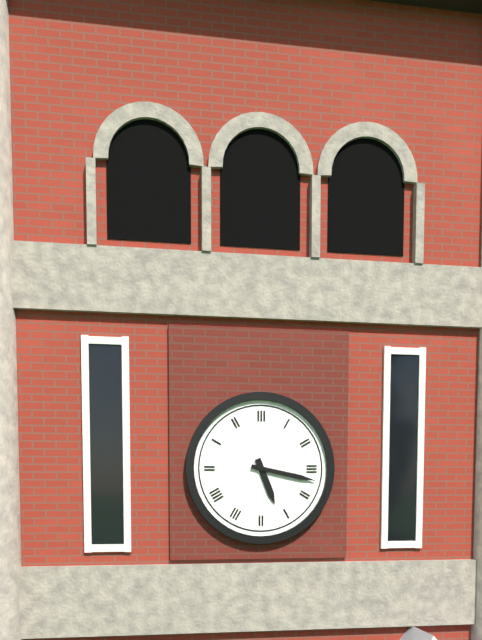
h=5 m=17
